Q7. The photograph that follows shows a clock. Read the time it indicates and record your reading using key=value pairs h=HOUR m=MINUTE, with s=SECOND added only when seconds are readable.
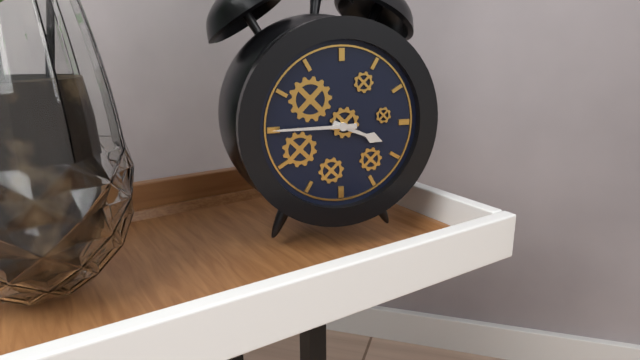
h=3 m=45
